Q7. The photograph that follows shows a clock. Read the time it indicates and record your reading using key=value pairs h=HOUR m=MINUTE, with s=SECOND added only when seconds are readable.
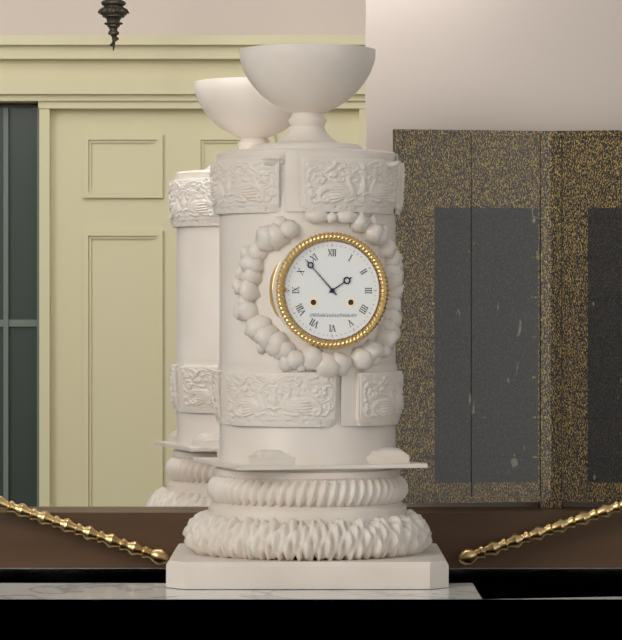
h=1 m=53
